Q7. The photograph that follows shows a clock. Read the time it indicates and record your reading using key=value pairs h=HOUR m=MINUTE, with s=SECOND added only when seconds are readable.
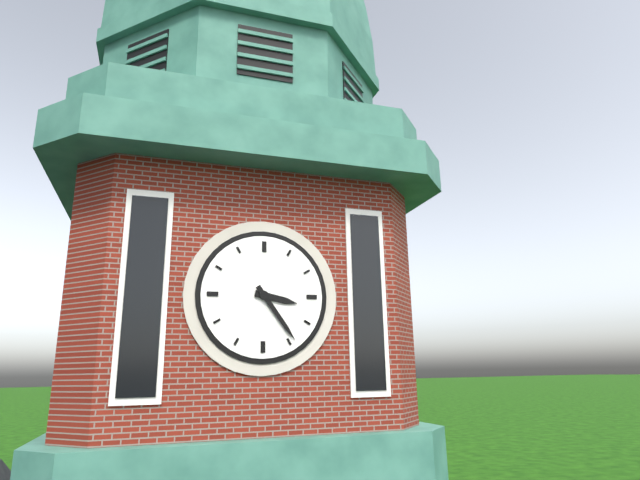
h=3 m=24
